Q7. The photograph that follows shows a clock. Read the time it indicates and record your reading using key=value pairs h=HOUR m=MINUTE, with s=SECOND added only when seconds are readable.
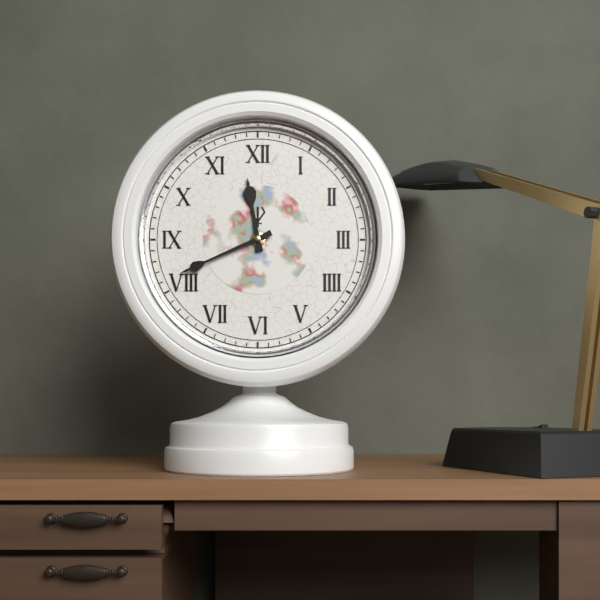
h=11 m=41
